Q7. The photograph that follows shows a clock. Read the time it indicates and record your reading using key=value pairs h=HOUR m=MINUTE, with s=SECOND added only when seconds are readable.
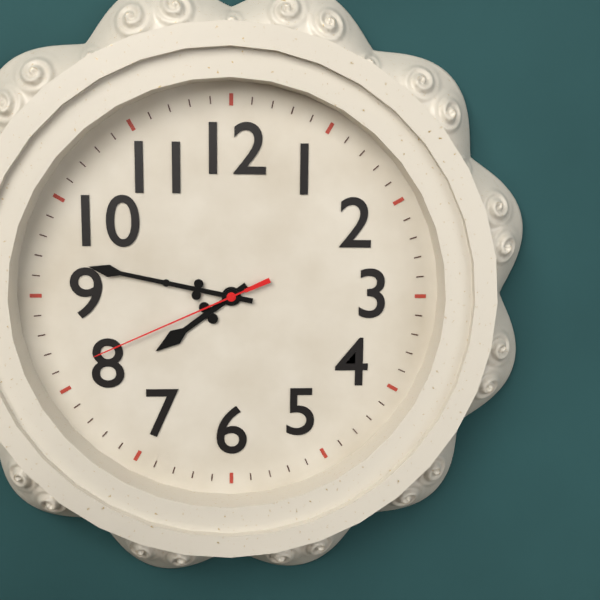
h=7 m=47 s=41
